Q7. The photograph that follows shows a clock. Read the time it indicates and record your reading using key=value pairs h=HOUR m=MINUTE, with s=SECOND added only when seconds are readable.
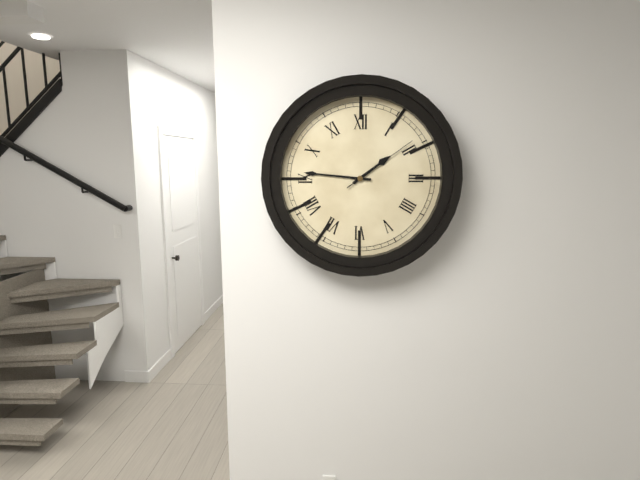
h=1 m=46 s=9
